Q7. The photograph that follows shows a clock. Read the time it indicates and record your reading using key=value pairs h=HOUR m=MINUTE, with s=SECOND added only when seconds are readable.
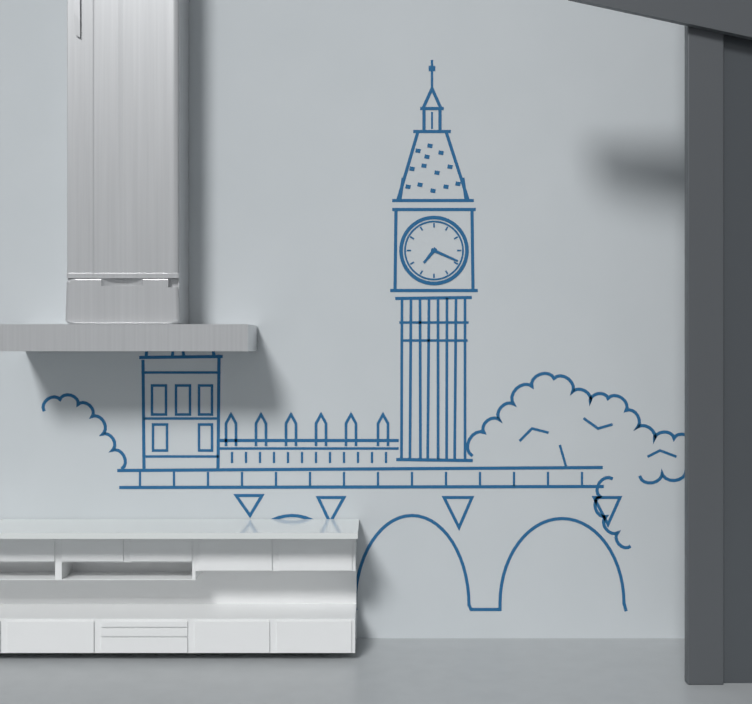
h=7 m=19
